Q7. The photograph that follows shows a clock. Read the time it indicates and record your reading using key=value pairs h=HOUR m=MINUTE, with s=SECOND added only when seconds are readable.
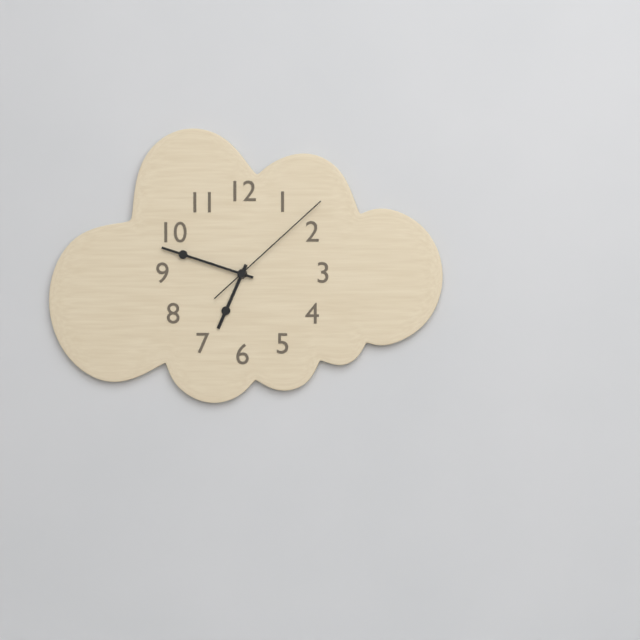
h=6 m=48 s=8
